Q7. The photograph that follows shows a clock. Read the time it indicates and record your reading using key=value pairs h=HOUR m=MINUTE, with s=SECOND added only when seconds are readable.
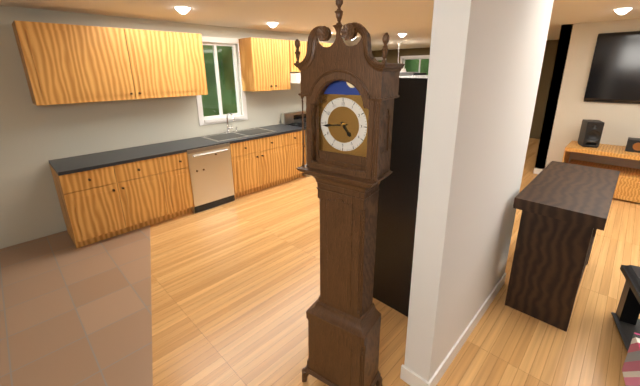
h=4 m=44
